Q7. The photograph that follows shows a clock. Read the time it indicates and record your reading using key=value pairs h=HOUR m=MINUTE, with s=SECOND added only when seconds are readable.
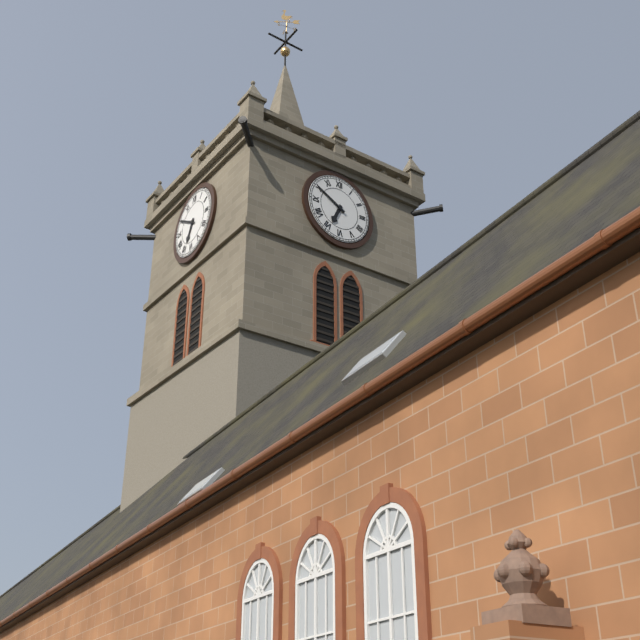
h=6 m=50
